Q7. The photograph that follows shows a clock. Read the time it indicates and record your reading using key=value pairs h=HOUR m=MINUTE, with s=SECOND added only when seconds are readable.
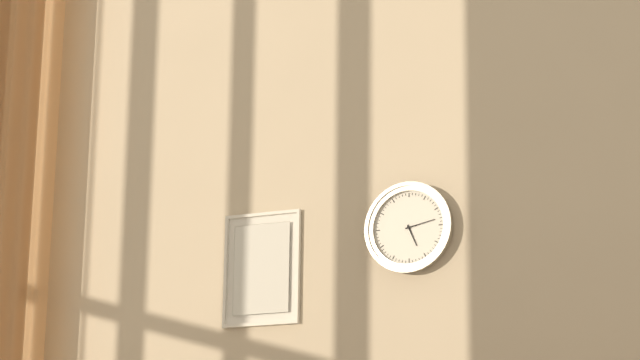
h=5 m=13
